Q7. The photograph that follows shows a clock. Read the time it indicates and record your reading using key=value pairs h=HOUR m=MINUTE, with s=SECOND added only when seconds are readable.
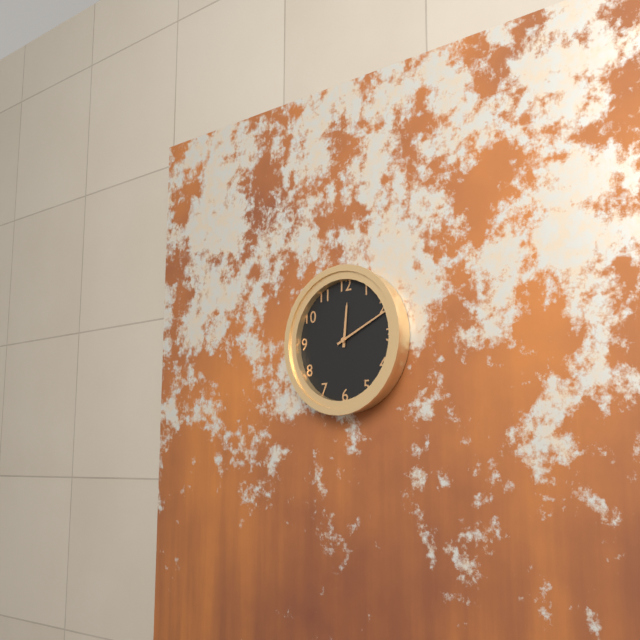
h=12 m=11
